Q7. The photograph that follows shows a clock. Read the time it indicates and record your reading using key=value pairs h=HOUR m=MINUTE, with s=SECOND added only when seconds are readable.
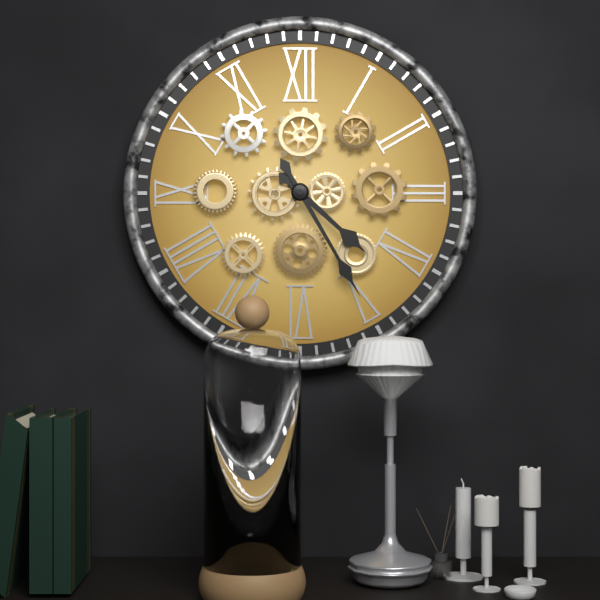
h=4 m=25
